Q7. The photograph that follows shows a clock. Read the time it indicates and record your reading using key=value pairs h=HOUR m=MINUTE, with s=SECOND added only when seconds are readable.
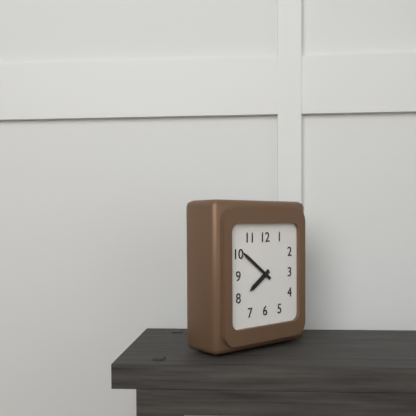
h=7 m=51
